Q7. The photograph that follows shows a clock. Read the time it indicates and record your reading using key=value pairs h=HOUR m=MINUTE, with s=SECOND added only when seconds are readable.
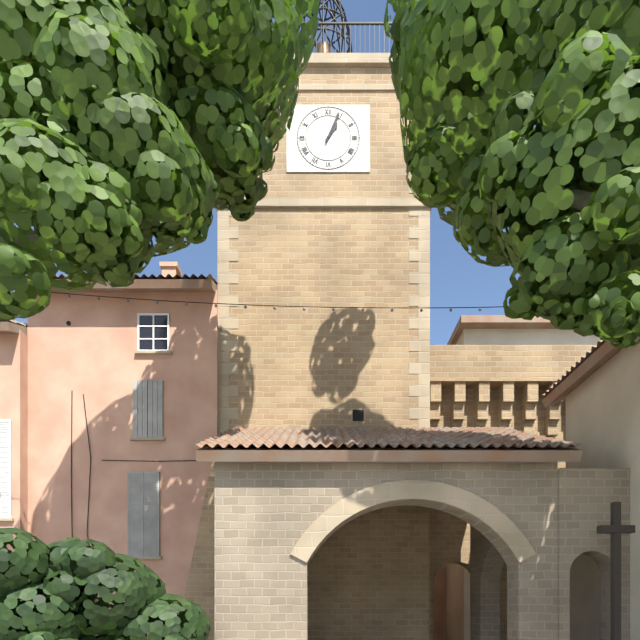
h=1 m=4
